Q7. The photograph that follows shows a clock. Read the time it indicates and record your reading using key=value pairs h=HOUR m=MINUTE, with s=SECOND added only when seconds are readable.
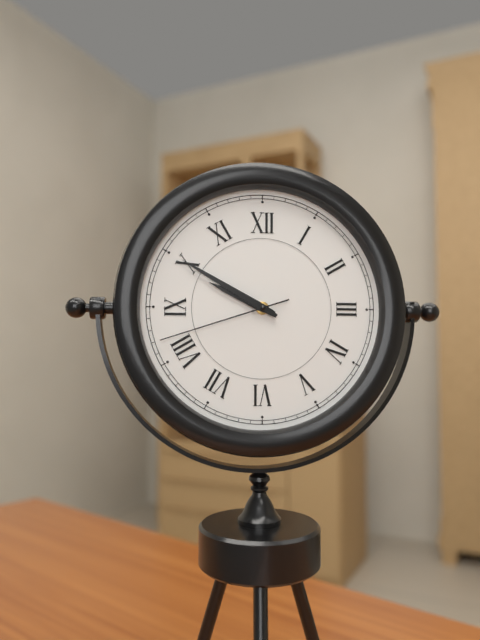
h=9 m=50 s=42
